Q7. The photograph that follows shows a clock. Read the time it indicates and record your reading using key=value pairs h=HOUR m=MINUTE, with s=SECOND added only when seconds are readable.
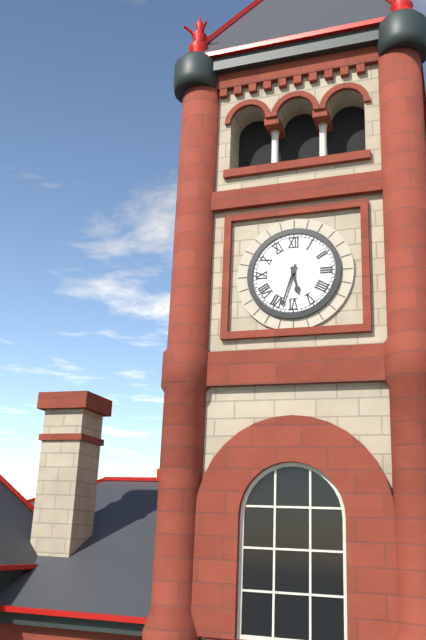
h=5 m=33
